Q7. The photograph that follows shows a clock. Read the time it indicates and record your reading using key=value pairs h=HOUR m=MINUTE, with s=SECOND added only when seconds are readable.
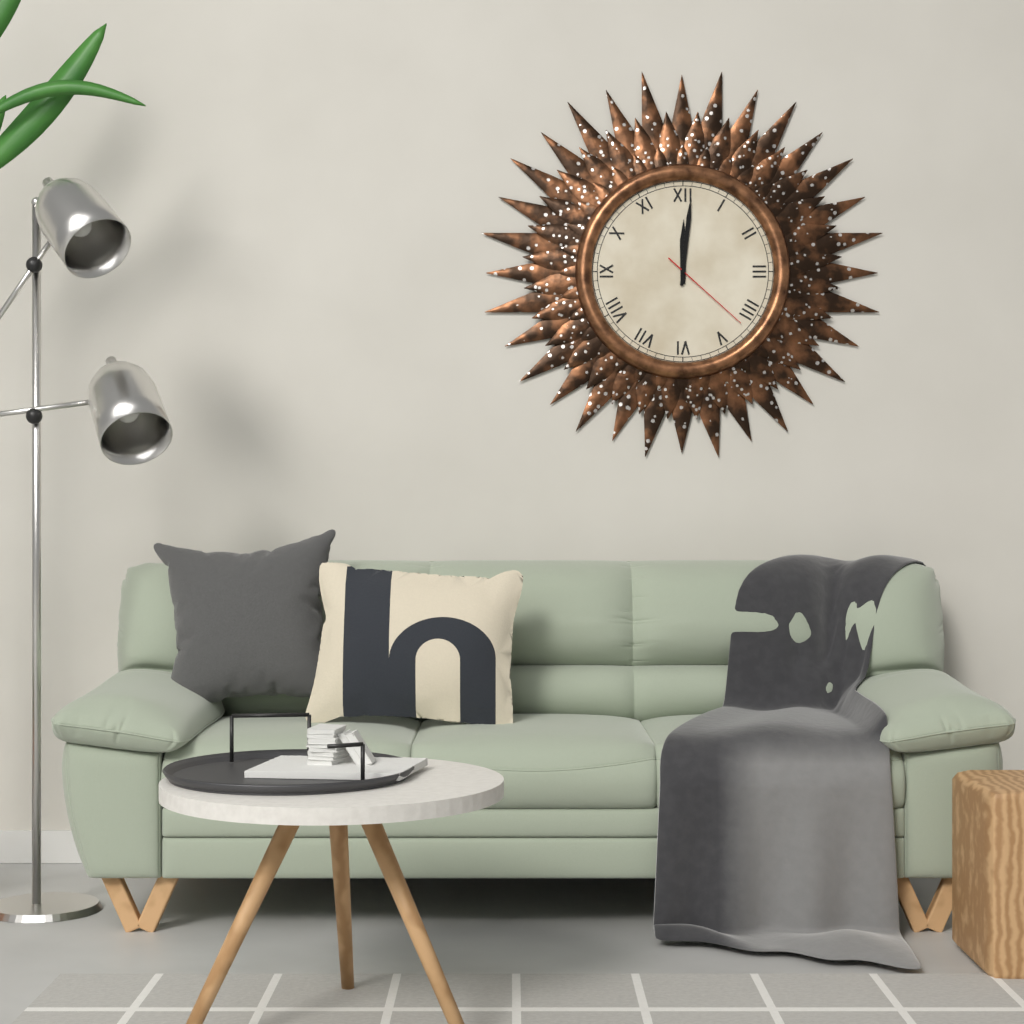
h=12 m=1 s=22
